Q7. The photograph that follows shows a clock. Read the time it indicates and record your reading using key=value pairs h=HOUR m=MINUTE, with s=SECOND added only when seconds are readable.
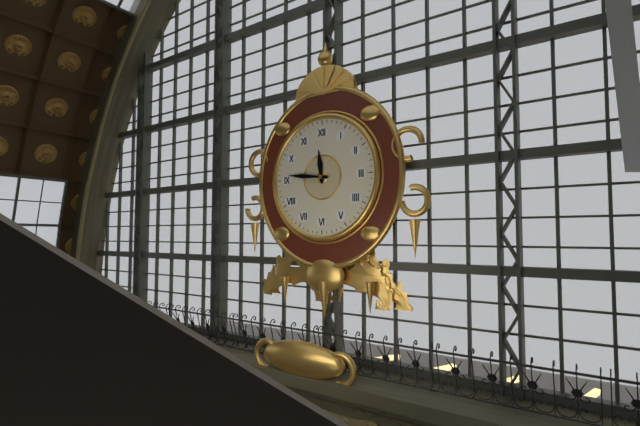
h=11 m=46
